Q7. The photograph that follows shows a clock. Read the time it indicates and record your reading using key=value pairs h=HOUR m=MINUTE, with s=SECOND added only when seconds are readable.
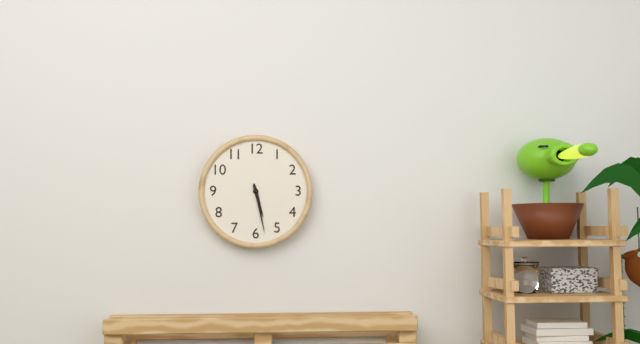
h=5 m=28
